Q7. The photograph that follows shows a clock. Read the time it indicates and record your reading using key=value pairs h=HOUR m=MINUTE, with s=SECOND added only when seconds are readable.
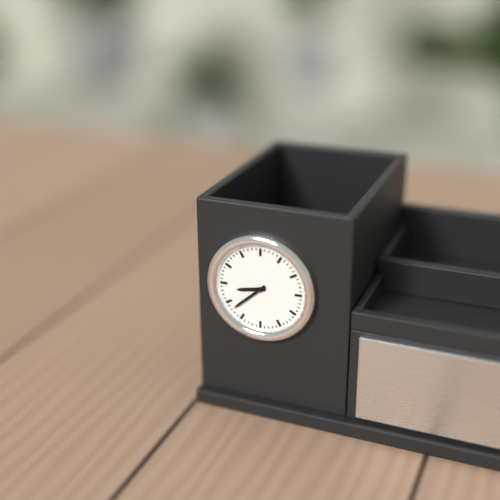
h=8 m=38
